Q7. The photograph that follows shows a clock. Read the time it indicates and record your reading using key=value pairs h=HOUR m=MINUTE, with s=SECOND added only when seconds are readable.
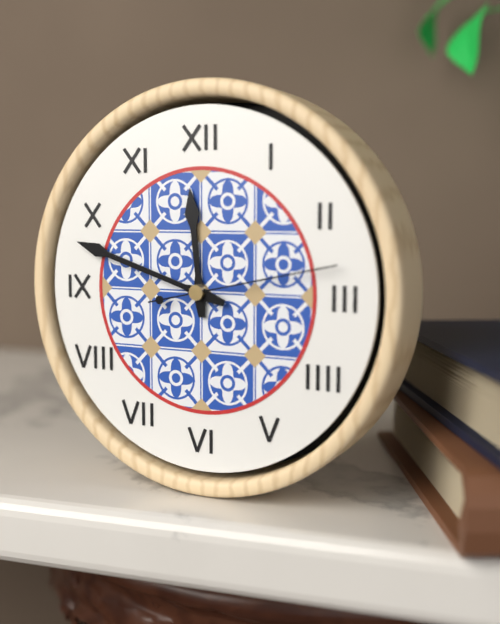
h=11 m=48 s=13
